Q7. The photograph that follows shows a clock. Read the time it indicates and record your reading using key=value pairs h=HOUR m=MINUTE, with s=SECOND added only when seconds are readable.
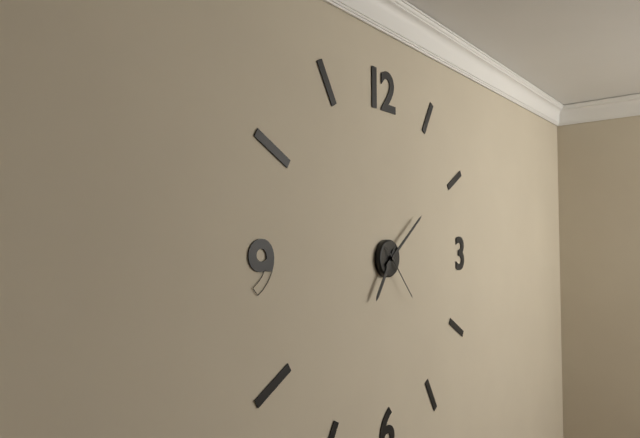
h=7 m=9 s=23
